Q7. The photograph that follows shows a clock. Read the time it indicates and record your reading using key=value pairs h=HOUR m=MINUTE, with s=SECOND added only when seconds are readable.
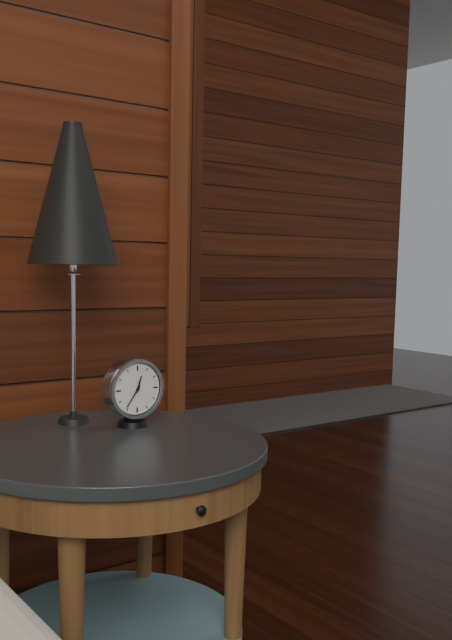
h=12 m=36
